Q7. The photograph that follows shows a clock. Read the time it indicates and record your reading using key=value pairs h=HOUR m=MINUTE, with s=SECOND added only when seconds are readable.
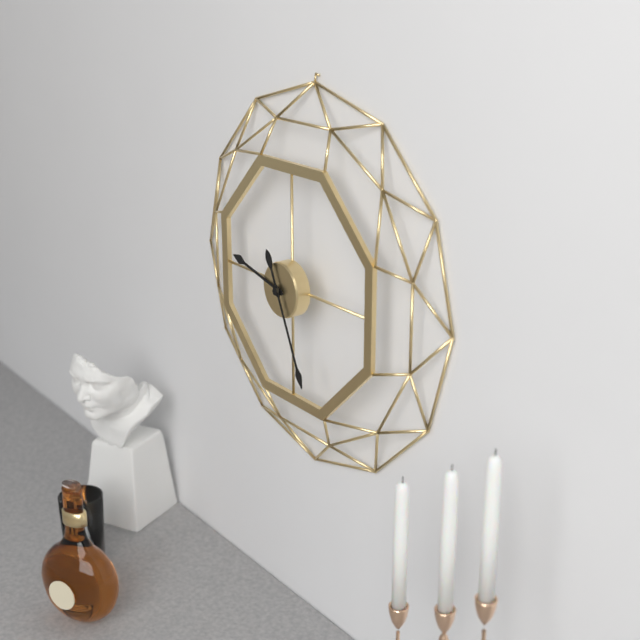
h=9 m=26
